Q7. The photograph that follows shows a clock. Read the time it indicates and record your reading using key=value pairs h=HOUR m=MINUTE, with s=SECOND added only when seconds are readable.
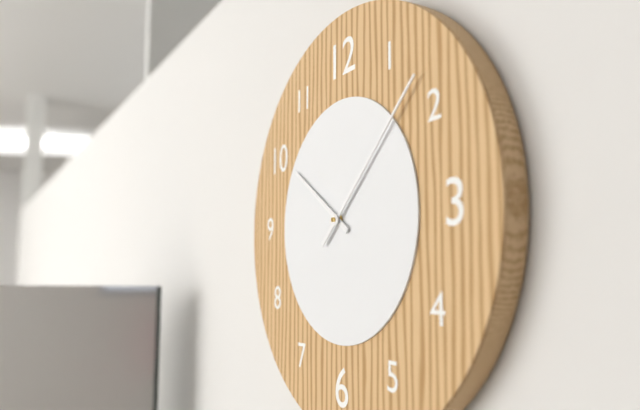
h=10 m=8
